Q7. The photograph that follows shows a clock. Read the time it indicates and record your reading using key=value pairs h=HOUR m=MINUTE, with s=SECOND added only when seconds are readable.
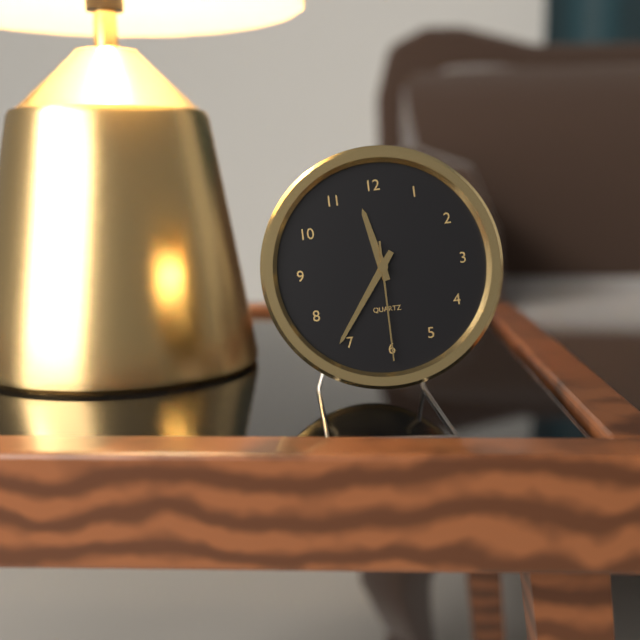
h=11 m=36 s=30
